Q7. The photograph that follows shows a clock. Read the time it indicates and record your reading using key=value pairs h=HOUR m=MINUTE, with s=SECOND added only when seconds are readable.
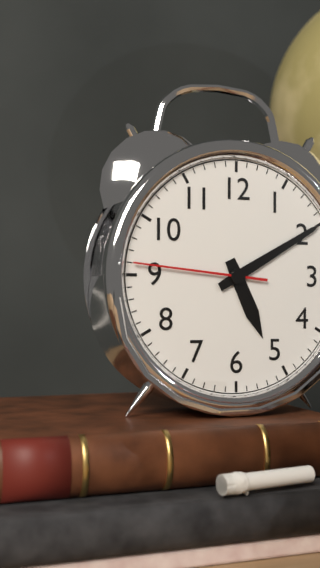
h=5 m=10 s=46
